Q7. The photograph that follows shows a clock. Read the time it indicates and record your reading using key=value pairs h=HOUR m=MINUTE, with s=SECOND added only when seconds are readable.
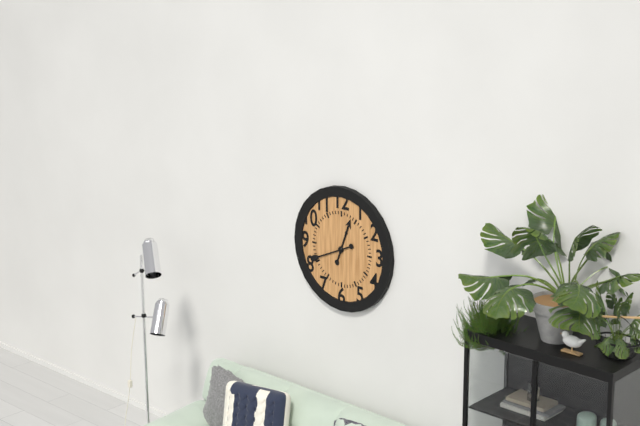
h=12 m=41
